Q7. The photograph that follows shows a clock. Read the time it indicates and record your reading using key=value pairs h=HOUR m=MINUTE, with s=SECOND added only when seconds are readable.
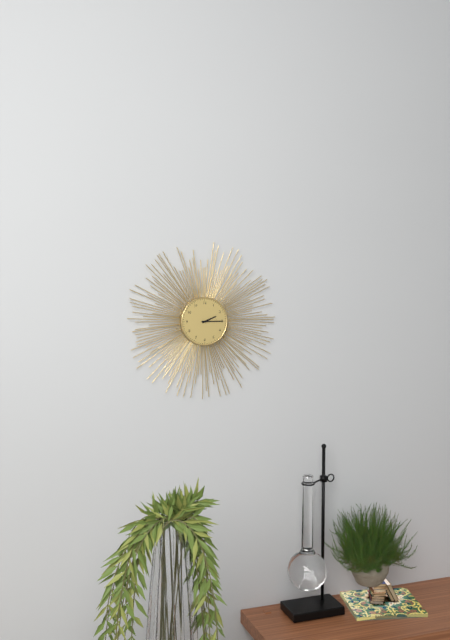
h=2 m=15
